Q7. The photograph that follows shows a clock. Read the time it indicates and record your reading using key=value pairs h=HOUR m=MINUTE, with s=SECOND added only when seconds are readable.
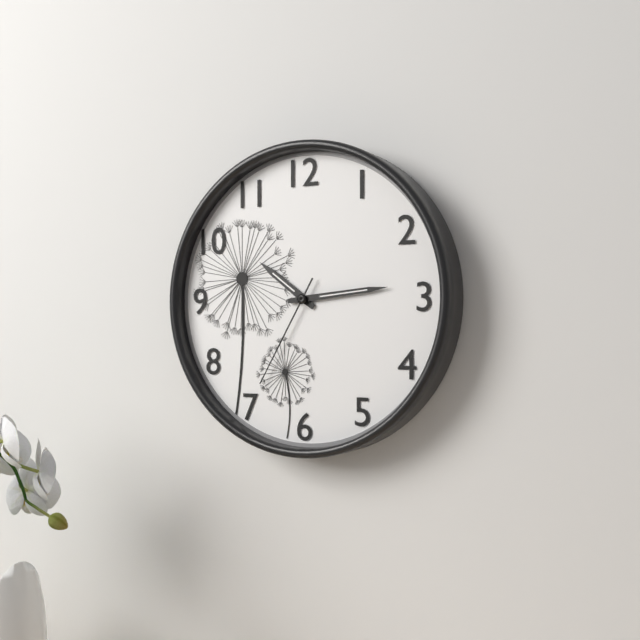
h=10 m=14 s=35
